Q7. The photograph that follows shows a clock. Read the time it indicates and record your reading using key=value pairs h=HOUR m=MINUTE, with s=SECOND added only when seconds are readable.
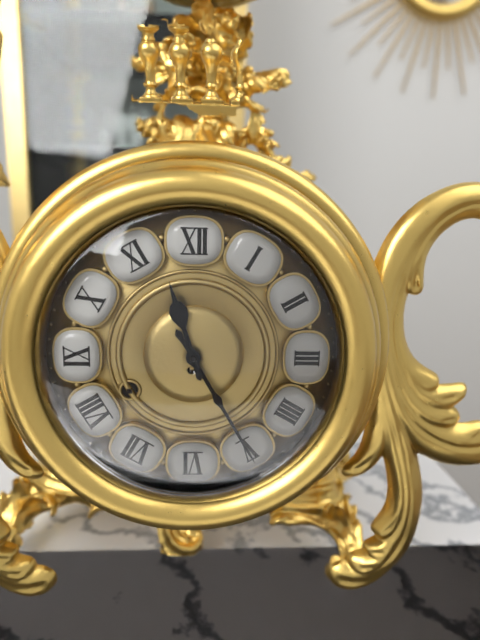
h=11 m=25
